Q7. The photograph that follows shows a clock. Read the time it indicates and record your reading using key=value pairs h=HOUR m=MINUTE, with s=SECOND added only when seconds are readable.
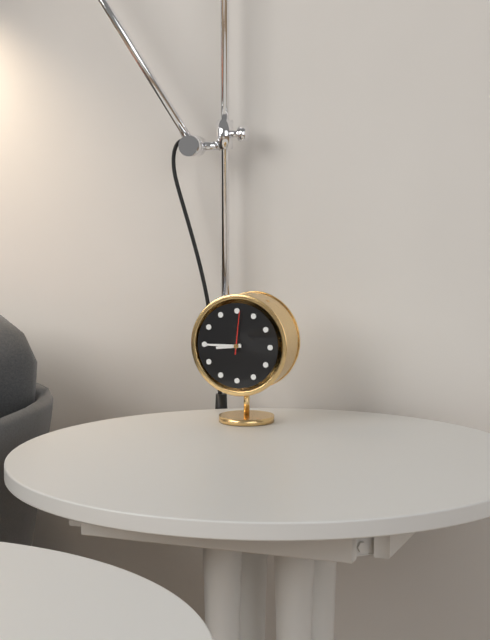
h=8 m=45
